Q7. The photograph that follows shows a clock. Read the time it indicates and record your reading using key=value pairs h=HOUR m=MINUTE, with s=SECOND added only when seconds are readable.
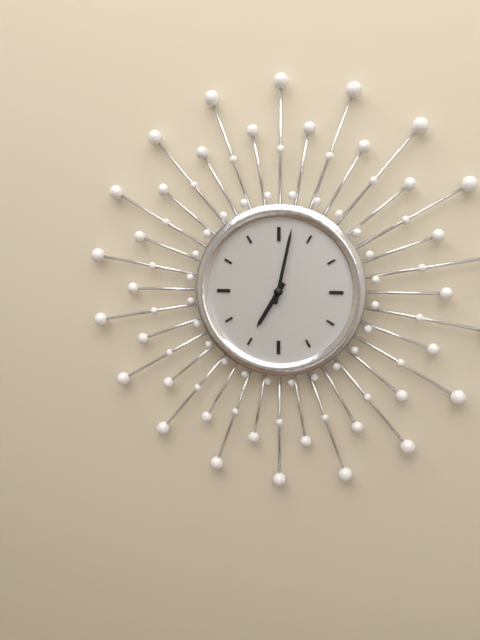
h=7 m=2
